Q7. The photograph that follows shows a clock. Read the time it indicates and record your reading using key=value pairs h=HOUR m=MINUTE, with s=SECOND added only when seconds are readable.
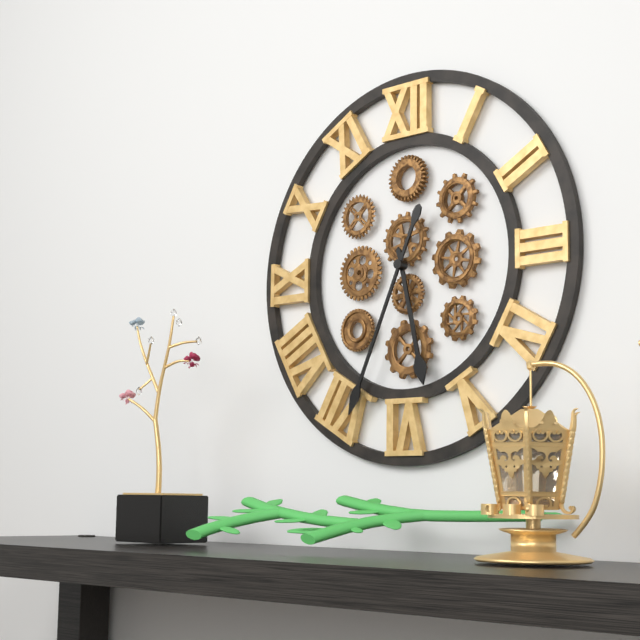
h=5 m=34
